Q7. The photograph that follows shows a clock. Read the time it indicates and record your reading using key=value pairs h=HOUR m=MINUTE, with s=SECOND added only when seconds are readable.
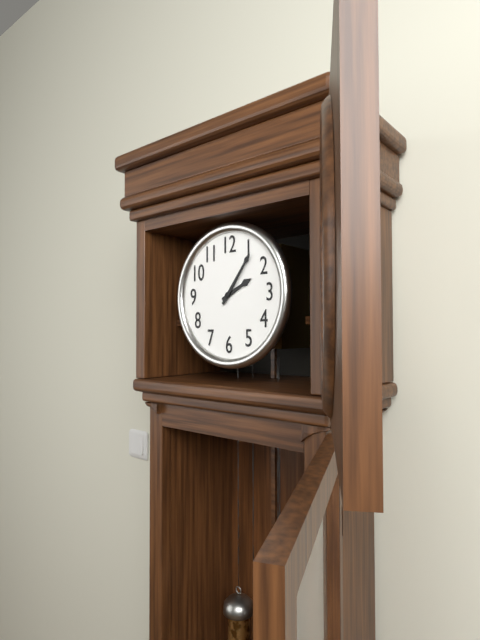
h=2 m=6
